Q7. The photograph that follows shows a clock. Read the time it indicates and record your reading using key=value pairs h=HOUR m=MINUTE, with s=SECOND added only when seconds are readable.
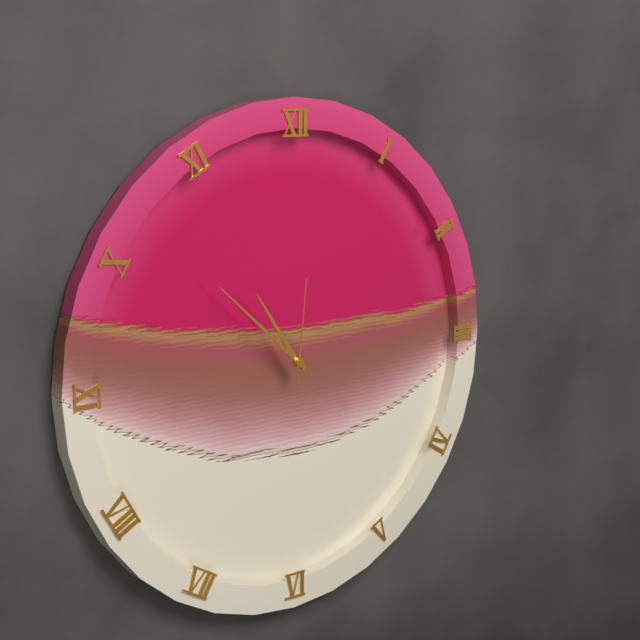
h=10 m=52 s=1
